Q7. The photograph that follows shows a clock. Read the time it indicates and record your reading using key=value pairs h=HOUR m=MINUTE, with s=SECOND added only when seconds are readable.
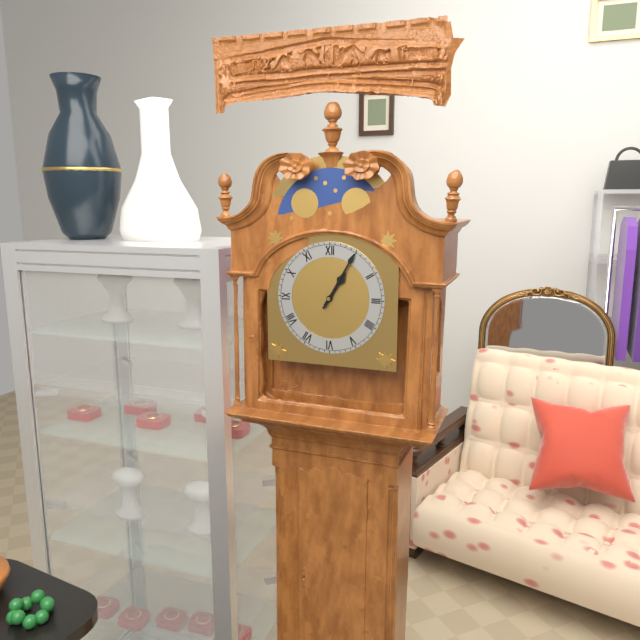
h=1 m=5
